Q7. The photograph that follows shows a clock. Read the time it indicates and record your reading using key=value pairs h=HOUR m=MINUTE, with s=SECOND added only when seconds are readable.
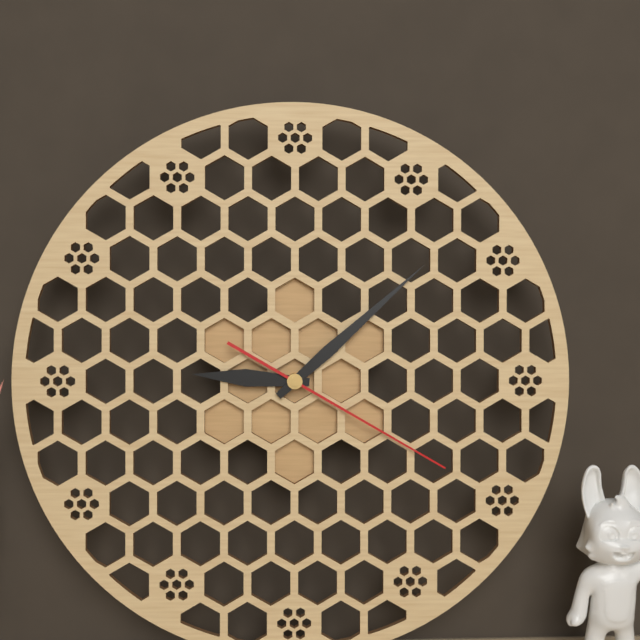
h=9 m=8 s=20
